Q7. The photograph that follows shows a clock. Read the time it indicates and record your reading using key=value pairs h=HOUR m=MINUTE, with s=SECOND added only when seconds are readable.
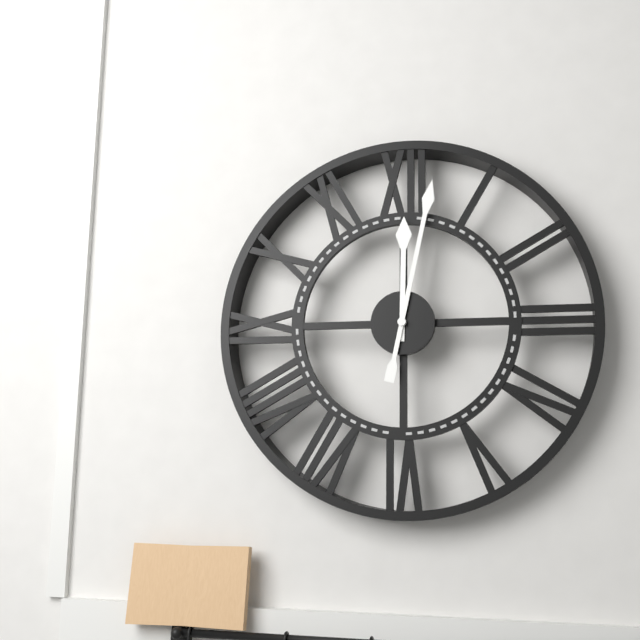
h=12 m=2
